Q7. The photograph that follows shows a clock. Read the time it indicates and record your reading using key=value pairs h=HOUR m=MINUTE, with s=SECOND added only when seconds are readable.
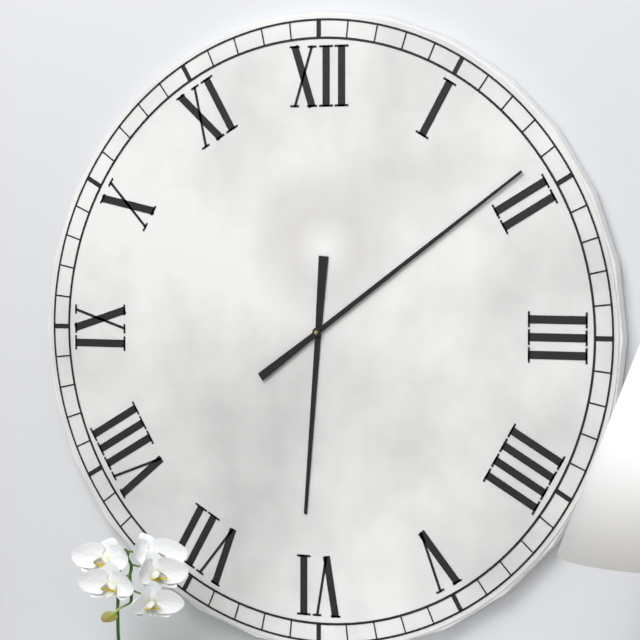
h=6 m=9
